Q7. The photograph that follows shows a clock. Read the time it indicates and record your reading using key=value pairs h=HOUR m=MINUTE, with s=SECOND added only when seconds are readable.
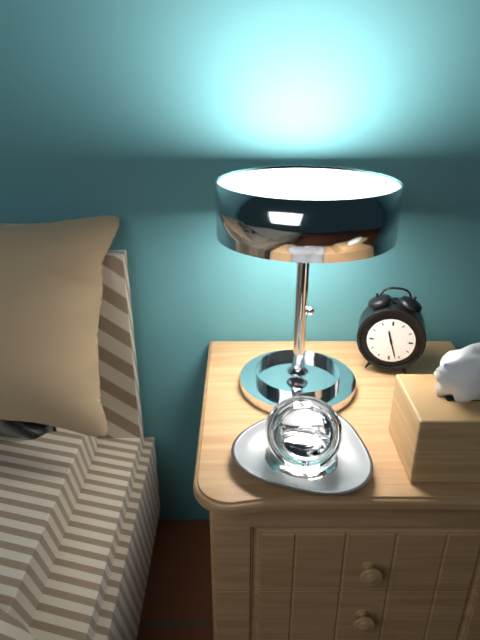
h=11 m=27
